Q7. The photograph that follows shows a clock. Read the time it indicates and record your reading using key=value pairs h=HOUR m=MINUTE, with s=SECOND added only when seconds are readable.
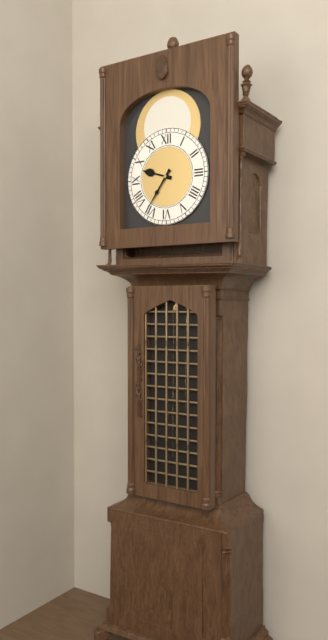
h=9 m=36
